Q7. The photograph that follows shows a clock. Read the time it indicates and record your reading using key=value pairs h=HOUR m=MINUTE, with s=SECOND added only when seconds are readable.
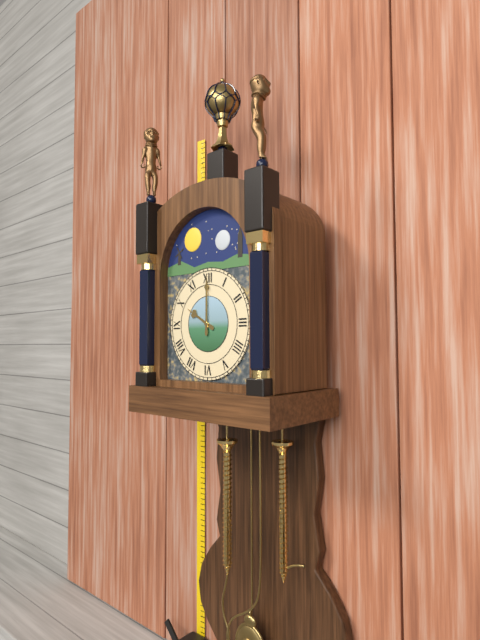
h=10 m=0
